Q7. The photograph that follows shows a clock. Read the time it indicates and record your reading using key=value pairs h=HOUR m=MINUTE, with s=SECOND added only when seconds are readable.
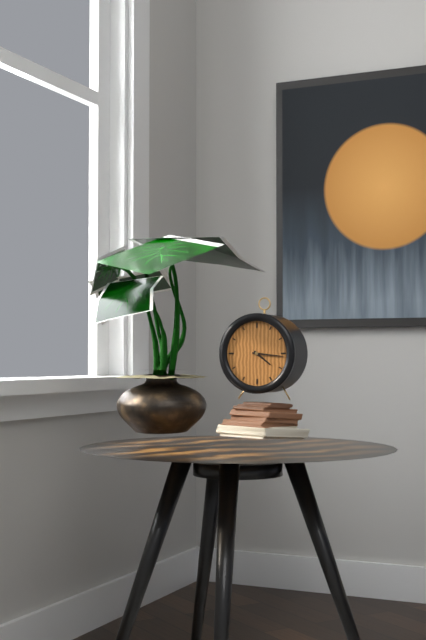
h=4 m=16
